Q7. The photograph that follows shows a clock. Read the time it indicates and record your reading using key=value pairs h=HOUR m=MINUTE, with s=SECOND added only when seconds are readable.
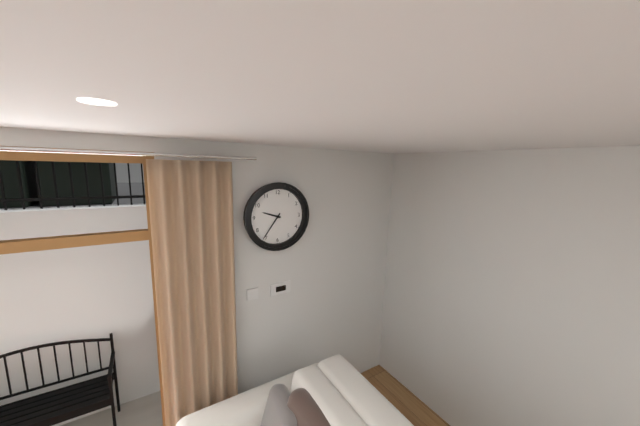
h=9 m=36
